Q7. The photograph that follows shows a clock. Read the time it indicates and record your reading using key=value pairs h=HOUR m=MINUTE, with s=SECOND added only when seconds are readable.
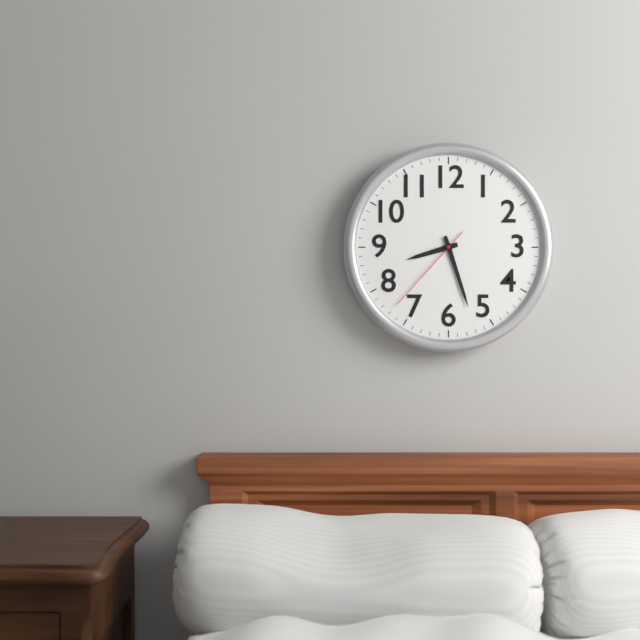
h=8 m=27 s=37
